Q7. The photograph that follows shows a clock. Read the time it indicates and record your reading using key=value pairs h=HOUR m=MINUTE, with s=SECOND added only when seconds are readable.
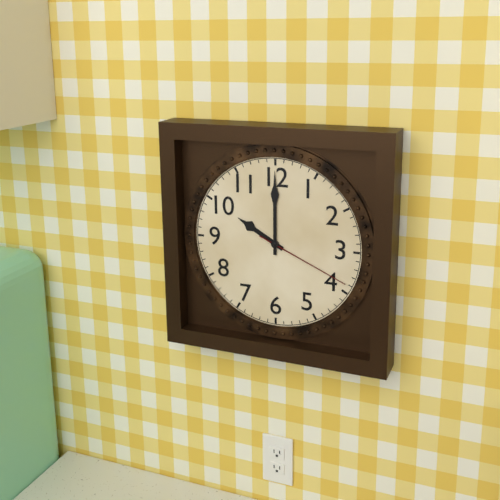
h=10 m=0 s=19
